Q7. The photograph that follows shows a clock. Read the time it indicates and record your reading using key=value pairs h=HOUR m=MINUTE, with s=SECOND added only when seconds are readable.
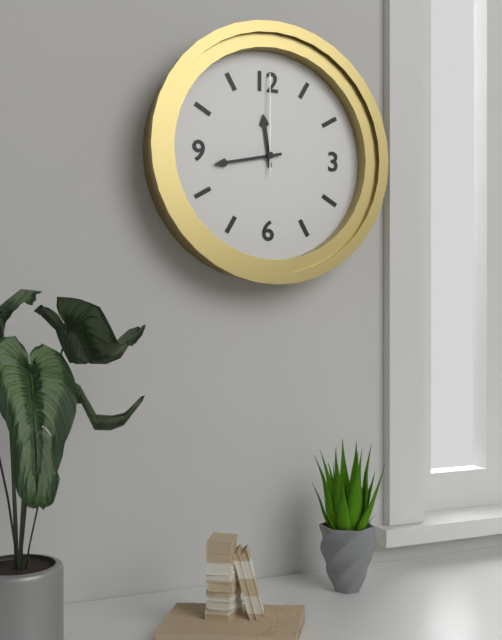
h=11 m=43 s=0
